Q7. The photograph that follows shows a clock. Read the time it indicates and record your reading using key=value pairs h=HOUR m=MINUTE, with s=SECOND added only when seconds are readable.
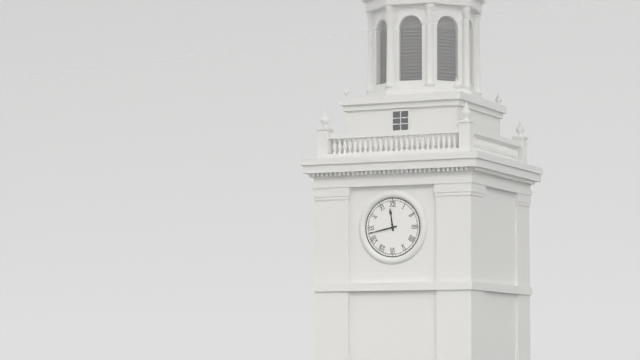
h=11 m=43
